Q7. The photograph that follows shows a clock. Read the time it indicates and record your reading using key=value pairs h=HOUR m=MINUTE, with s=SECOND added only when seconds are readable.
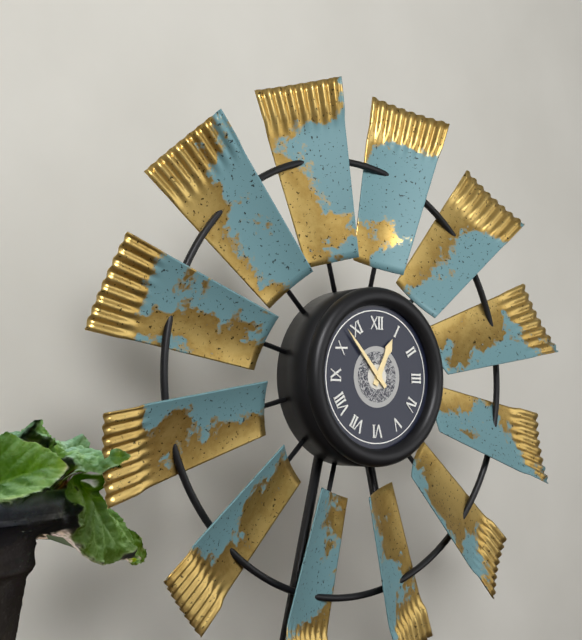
h=12 m=53
